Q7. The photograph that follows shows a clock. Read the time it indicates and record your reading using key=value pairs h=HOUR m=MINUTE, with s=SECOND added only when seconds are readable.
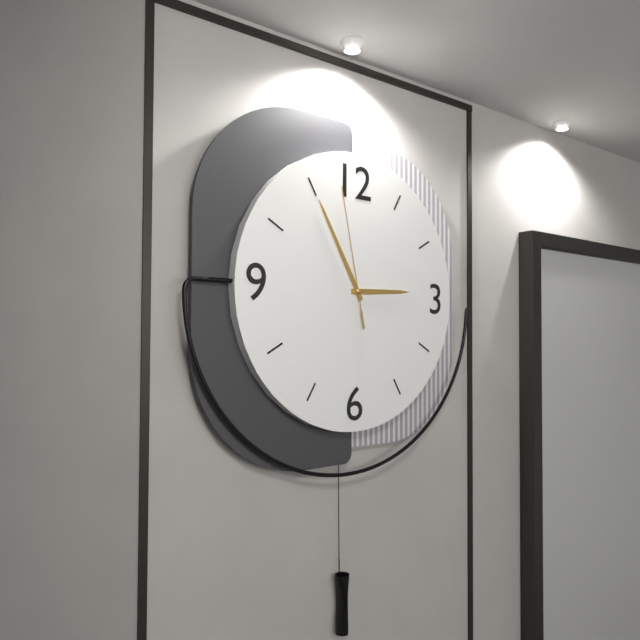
h=2 m=55 s=58
